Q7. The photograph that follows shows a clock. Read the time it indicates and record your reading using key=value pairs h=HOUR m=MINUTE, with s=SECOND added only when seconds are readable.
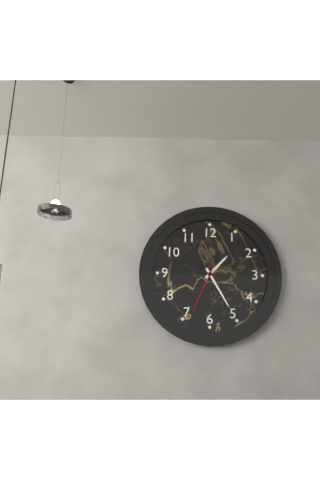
h=1 m=25 s=34
